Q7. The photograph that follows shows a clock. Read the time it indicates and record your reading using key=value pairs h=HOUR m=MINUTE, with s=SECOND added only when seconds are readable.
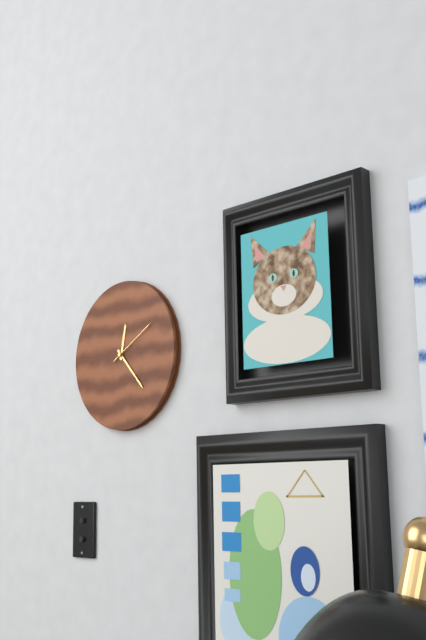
h=12 m=23 s=10
